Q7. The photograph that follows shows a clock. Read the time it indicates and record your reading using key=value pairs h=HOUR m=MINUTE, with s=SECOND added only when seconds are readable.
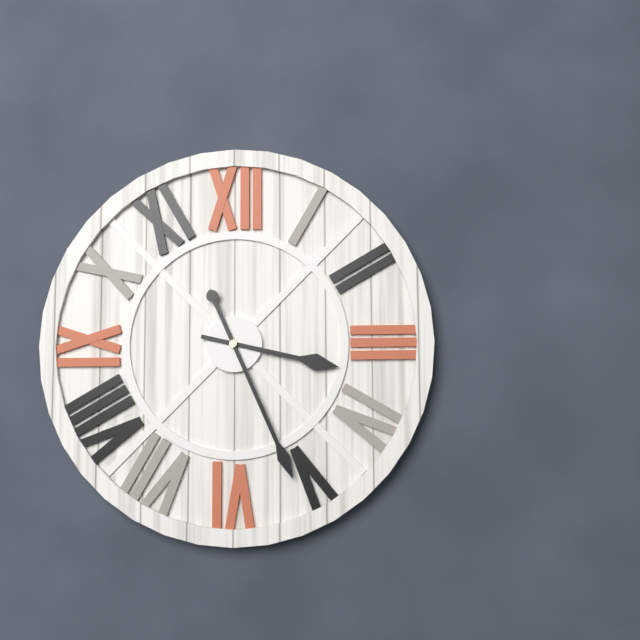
h=3 m=26
